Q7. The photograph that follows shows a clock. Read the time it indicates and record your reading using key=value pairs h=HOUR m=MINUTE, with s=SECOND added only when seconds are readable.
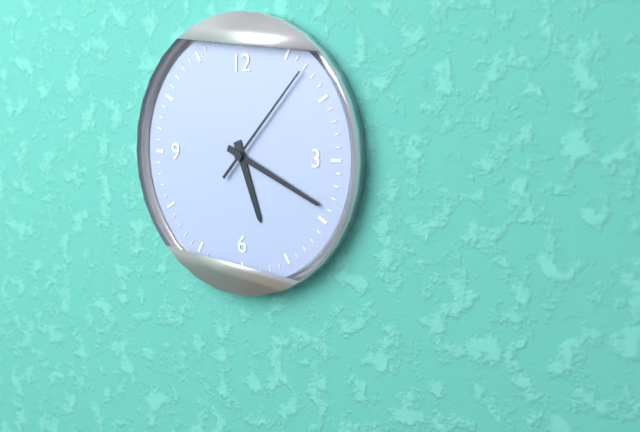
h=5 m=19 s=7
